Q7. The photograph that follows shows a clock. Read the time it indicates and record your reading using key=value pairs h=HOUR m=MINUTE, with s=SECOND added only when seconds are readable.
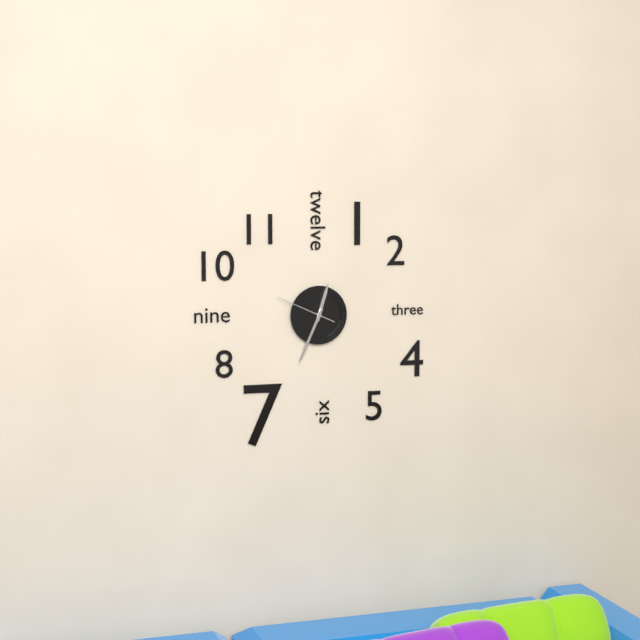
h=12 m=34 s=49
